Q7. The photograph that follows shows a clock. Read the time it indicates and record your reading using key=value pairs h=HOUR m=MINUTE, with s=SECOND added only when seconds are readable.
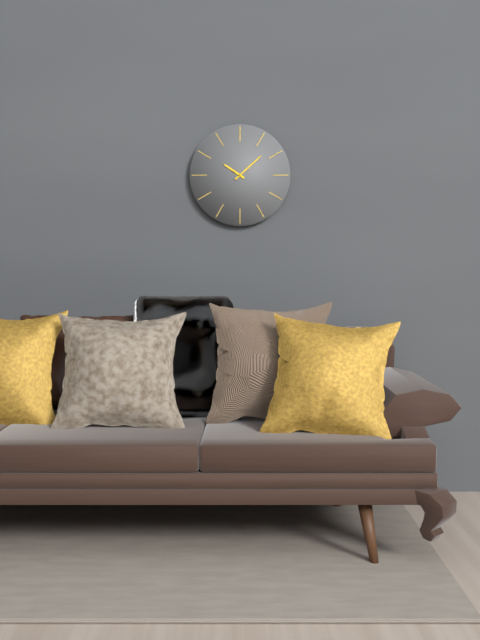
h=10 m=8
